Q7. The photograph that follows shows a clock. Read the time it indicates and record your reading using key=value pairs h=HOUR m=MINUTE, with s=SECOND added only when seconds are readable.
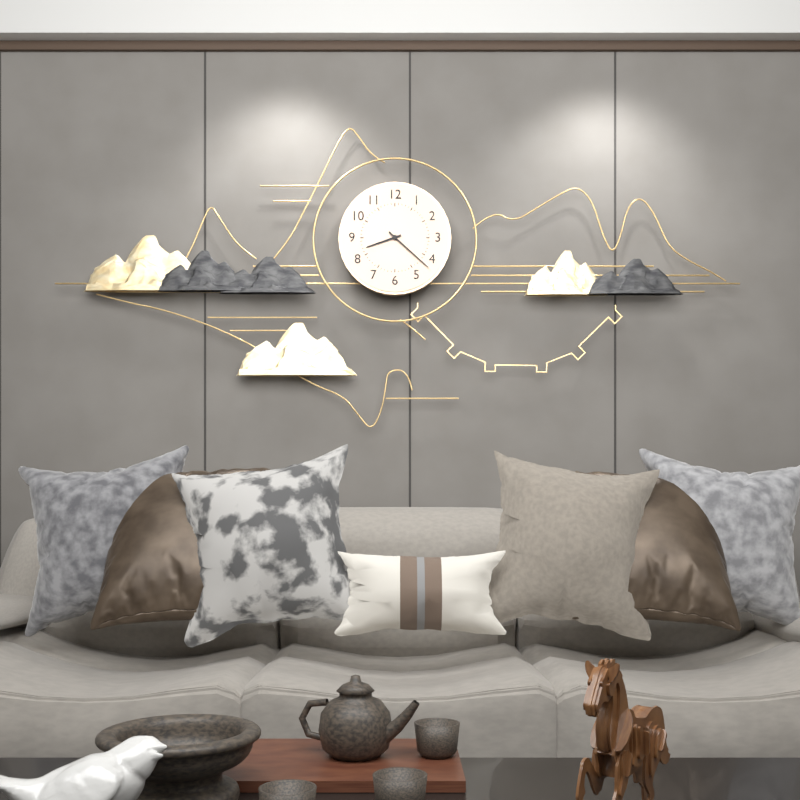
h=8 m=22
